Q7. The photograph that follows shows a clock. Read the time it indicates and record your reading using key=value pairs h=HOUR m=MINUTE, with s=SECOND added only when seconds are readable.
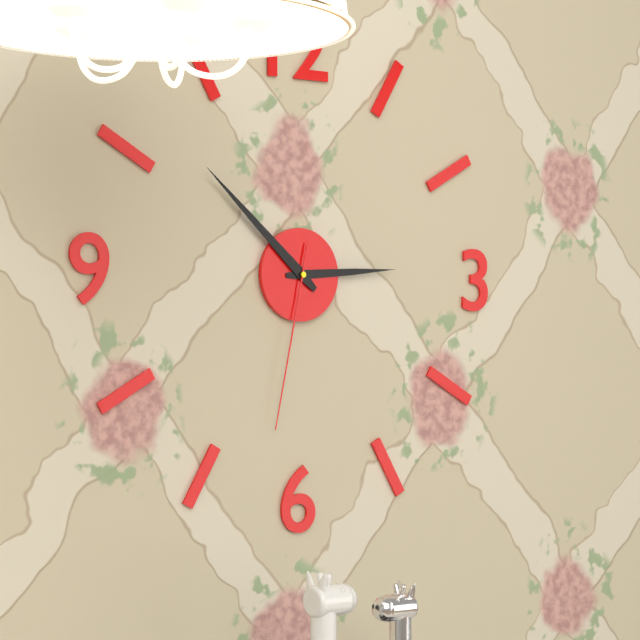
h=2 m=52 s=32
